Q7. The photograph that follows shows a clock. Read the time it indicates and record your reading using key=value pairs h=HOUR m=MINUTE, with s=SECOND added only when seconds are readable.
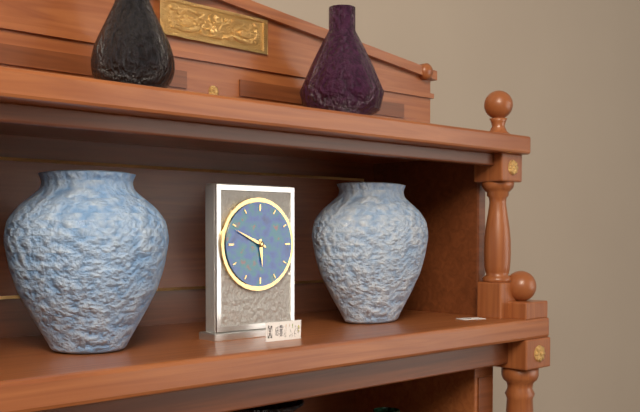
h=5 m=49
